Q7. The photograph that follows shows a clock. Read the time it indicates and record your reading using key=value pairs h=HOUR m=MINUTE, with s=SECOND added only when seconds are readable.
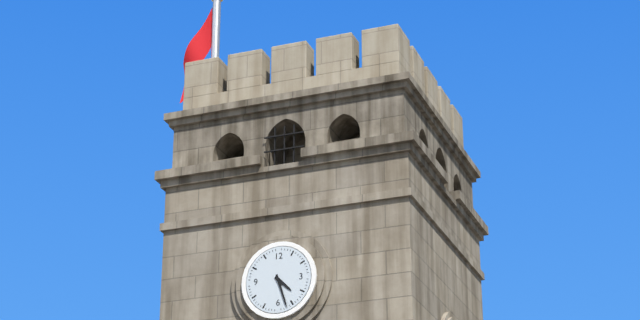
h=4 m=27
